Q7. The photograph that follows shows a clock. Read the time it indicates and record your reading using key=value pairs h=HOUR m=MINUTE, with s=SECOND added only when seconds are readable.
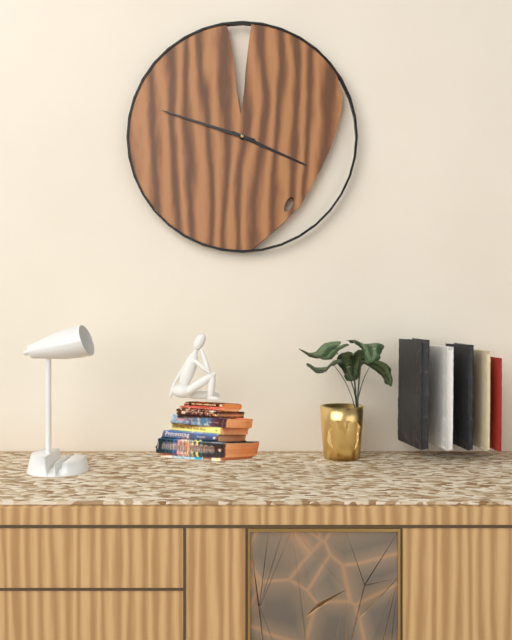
h=3 m=48
